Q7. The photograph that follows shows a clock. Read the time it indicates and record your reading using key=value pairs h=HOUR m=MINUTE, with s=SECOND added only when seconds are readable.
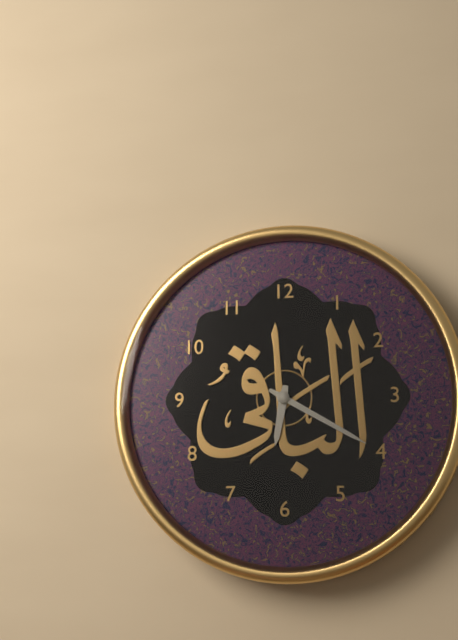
h=6 m=20
